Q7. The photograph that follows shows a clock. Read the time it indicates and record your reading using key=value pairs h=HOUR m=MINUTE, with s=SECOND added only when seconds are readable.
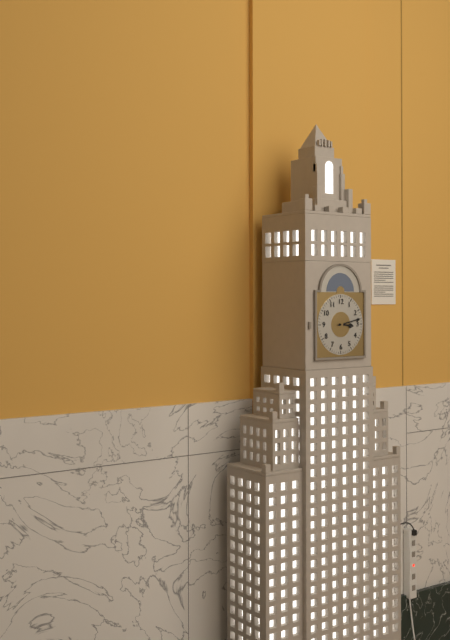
h=3 m=13
